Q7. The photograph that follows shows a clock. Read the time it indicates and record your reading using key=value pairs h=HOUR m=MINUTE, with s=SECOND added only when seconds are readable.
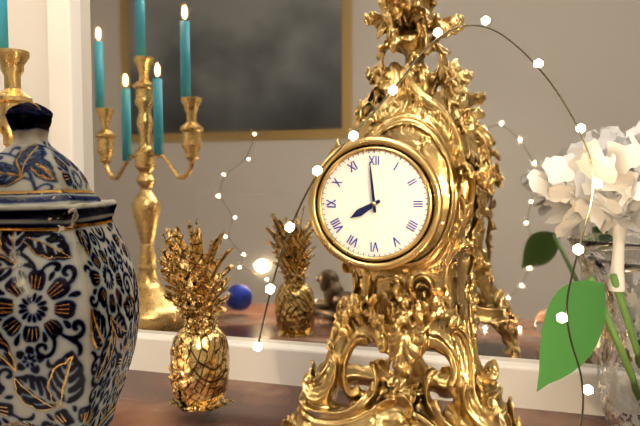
h=7 m=59
